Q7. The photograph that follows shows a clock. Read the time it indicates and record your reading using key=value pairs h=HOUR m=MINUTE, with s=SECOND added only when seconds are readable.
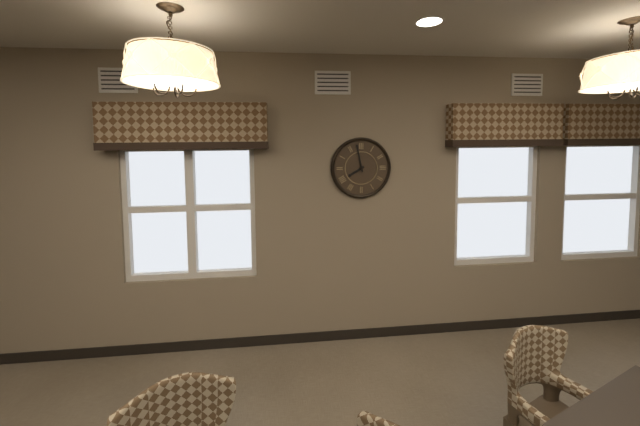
h=7 m=58
